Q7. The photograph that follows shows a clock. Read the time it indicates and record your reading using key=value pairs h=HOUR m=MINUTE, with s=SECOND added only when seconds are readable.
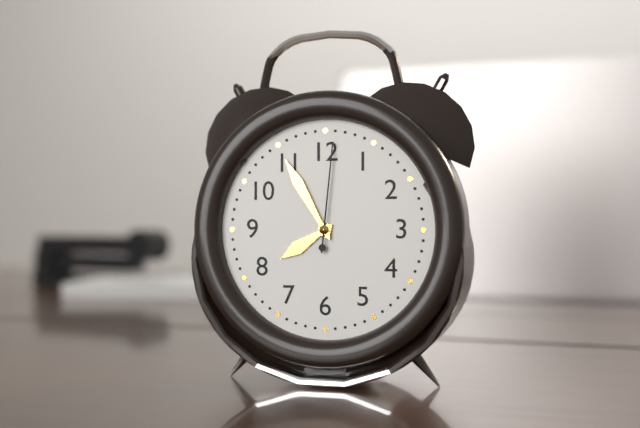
h=7 m=55 s=1
